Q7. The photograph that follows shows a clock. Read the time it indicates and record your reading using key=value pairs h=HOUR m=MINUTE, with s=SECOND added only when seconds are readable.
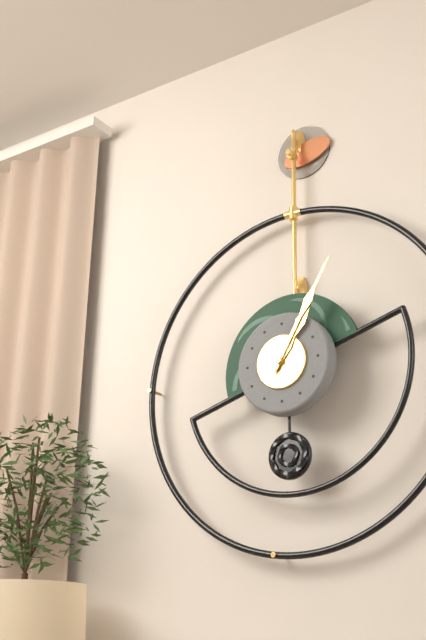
h=1 m=5
